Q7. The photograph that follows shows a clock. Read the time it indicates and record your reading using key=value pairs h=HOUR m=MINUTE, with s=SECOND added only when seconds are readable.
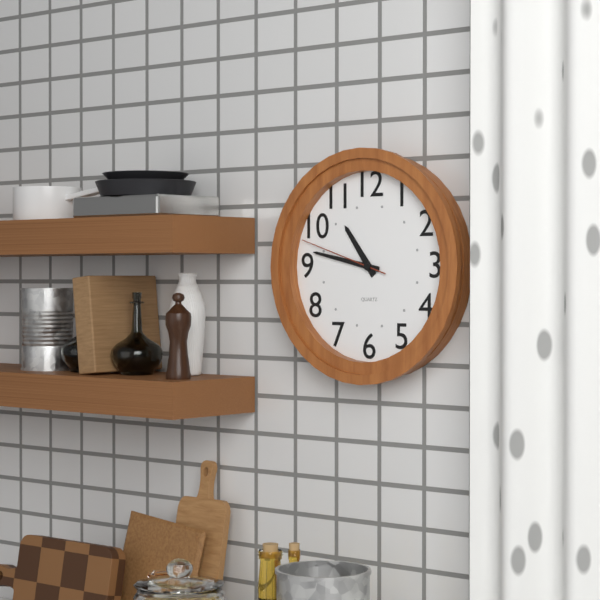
h=10 m=47 s=48
